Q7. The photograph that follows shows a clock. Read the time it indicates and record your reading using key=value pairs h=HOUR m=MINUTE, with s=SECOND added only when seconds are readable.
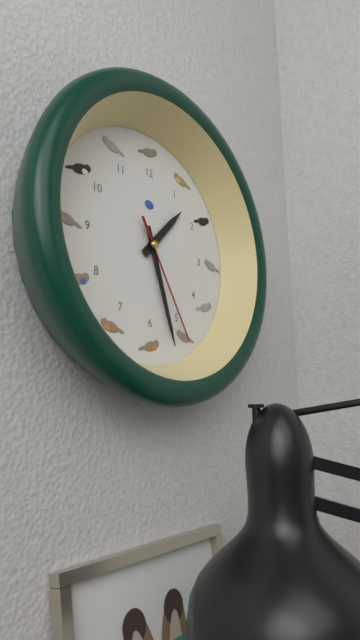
h=1 m=27 s=25
